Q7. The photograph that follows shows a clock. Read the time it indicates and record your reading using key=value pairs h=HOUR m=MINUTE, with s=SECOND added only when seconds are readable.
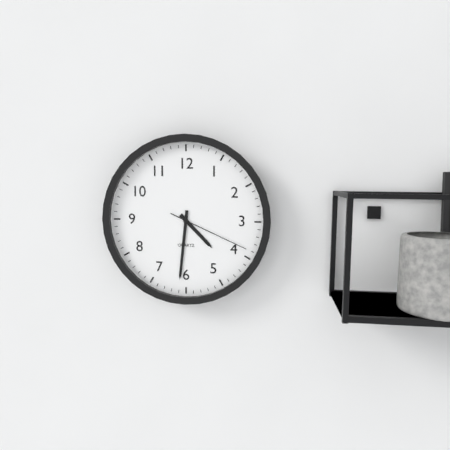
h=4 m=31 s=19
